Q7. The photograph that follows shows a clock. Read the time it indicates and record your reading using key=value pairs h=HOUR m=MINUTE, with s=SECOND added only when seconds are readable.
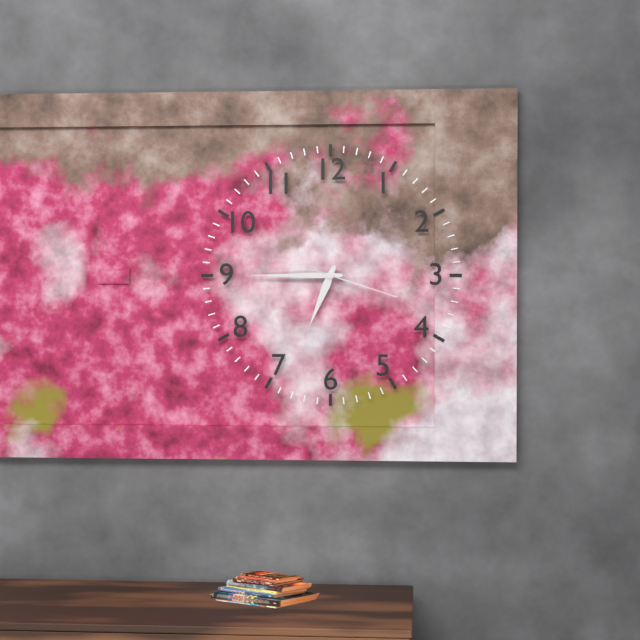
h=6 m=45 s=18
